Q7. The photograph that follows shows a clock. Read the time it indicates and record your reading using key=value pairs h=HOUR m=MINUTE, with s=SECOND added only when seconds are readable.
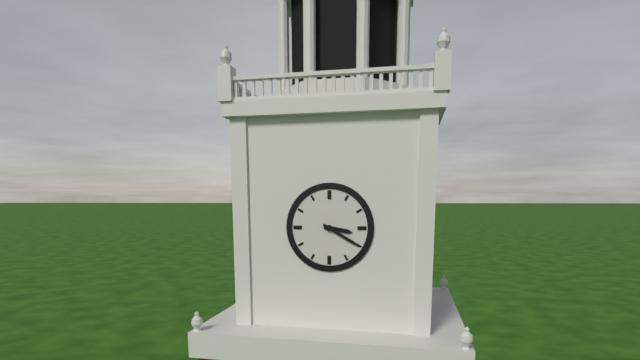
h=3 m=20
